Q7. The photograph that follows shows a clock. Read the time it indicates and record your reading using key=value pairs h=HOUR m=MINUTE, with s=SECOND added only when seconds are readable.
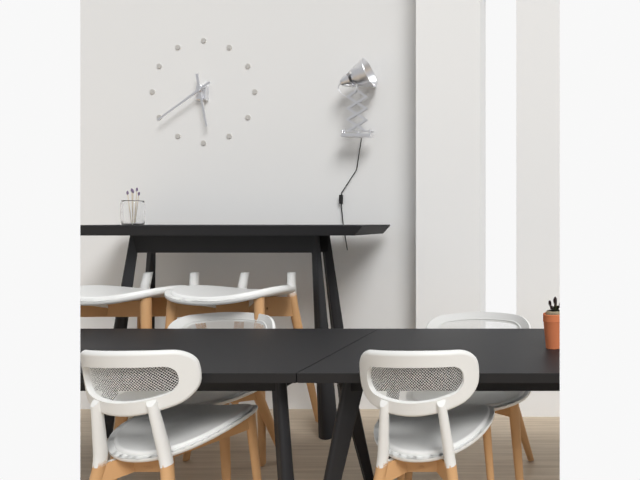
h=5 m=39
